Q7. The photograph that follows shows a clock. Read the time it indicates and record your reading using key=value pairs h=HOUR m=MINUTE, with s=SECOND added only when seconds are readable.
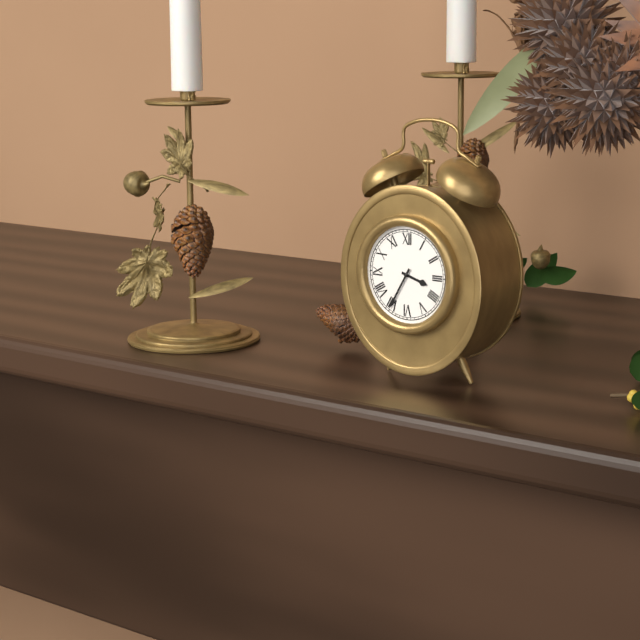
h=3 m=35
